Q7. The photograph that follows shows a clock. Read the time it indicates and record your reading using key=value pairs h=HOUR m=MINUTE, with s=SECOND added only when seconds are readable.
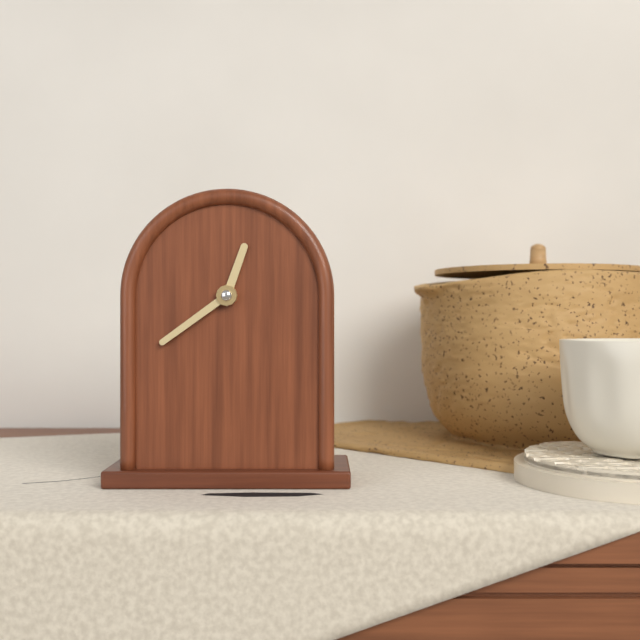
h=12 m=39
